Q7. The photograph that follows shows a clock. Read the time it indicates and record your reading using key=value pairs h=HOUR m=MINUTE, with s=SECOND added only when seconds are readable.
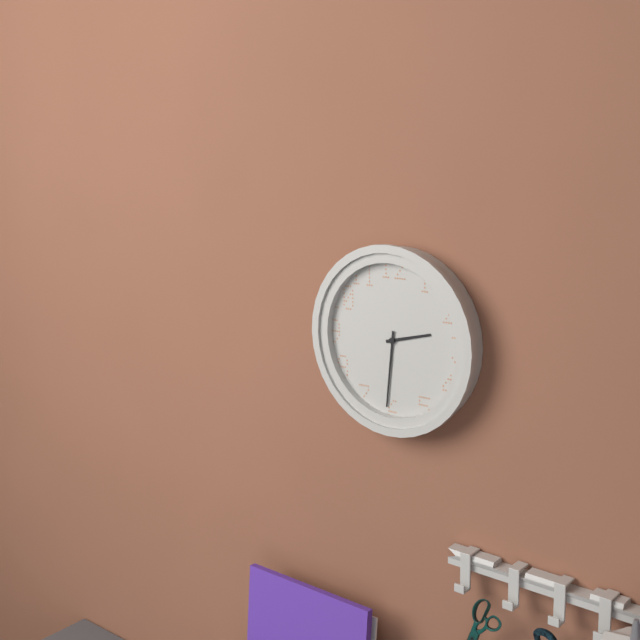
h=2 m=31
